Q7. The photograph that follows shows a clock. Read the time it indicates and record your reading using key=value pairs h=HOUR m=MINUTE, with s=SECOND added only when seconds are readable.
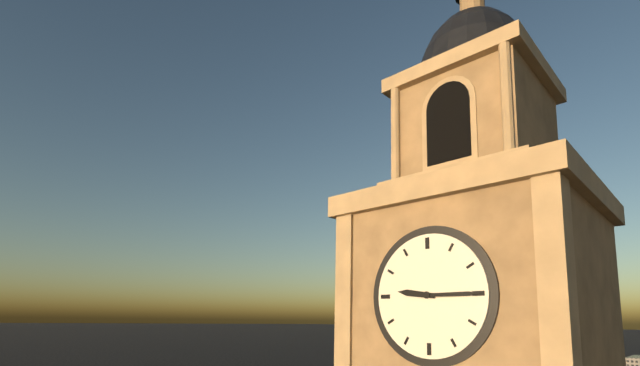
h=9 m=15
